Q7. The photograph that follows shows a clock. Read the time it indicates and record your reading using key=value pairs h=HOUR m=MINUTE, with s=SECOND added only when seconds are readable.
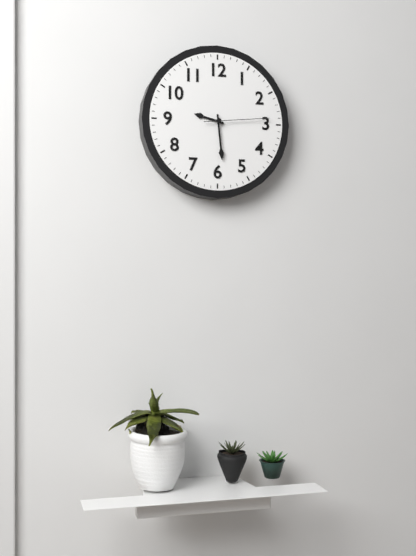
h=9 m=29 s=14
